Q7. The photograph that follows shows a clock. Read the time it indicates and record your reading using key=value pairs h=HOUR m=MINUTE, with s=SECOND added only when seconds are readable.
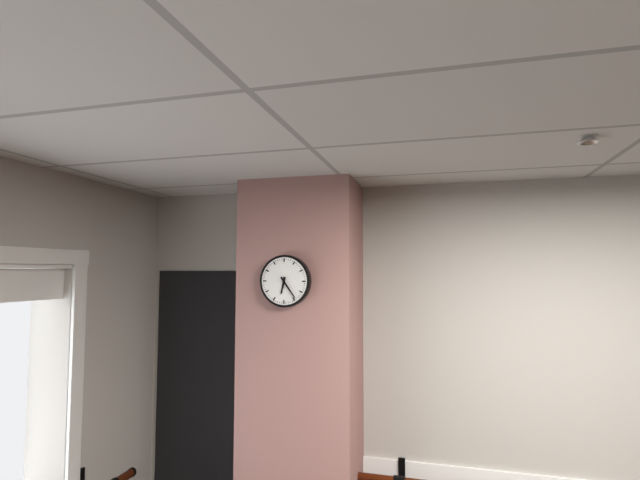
h=6 m=24
